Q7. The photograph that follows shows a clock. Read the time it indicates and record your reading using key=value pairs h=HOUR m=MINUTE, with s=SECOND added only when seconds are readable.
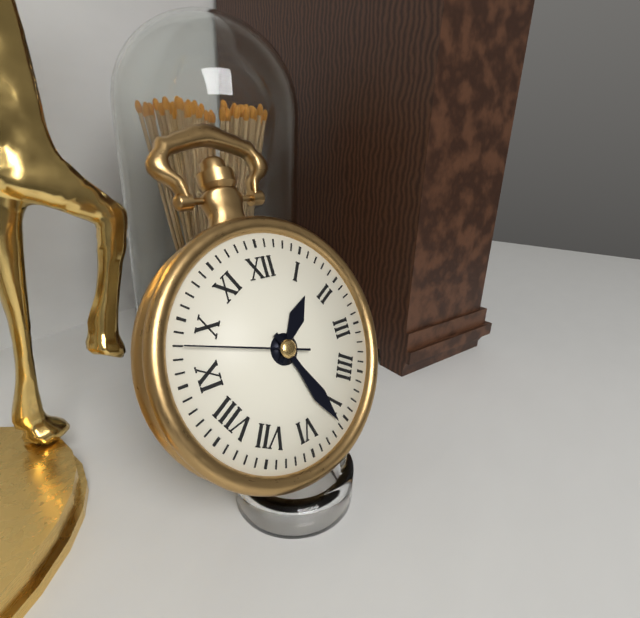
h=1 m=26 s=48
